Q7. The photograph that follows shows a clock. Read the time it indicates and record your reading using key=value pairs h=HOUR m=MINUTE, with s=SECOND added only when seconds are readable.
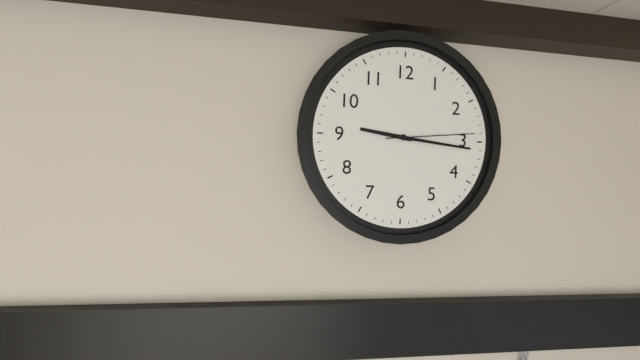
h=9 m=16 s=14
